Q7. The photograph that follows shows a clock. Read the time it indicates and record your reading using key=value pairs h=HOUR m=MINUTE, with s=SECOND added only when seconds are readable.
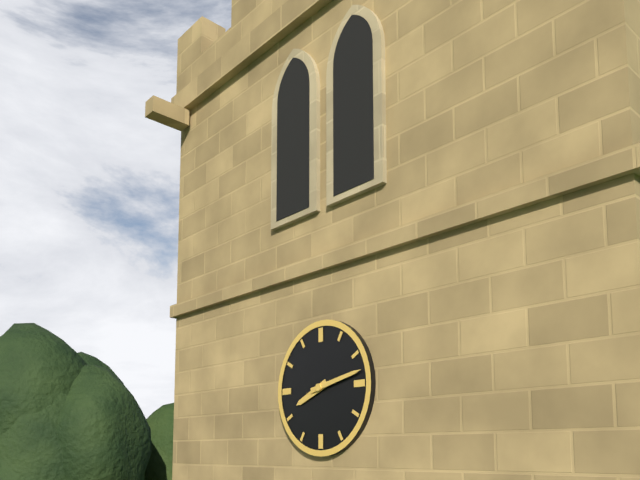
h=8 m=13
